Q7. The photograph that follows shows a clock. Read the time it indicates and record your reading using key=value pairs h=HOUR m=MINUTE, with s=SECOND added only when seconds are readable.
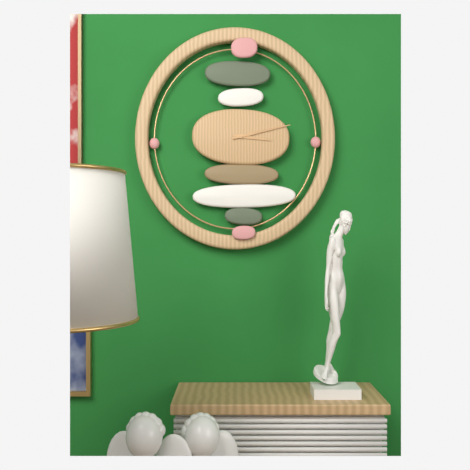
h=3 m=13
